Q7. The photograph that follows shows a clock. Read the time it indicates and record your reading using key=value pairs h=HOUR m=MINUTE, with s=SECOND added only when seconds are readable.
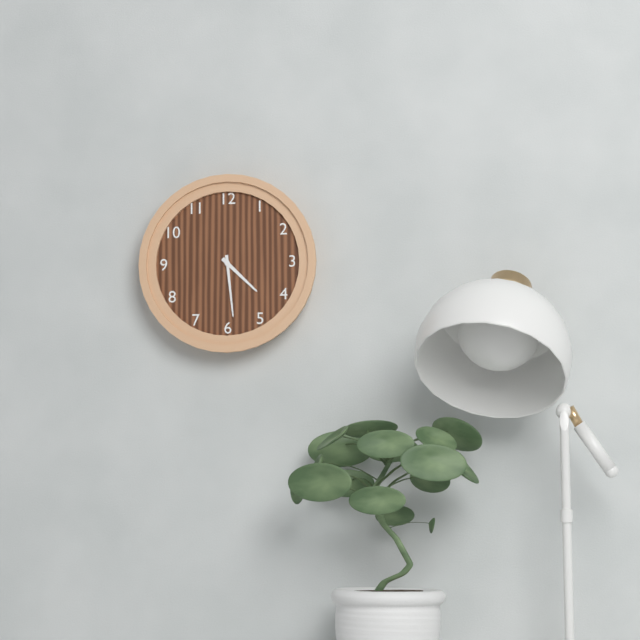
h=4 m=29
